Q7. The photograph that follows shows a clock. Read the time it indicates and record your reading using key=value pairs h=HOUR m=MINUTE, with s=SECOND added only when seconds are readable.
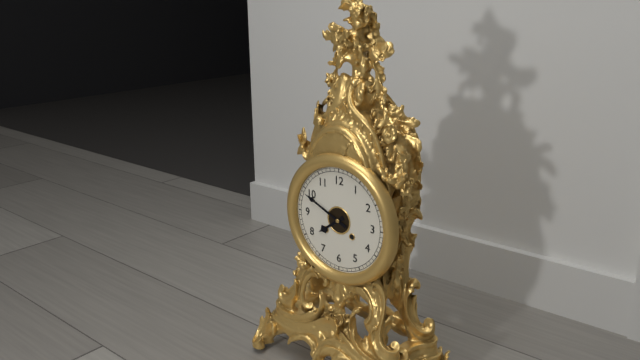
h=7 m=49
